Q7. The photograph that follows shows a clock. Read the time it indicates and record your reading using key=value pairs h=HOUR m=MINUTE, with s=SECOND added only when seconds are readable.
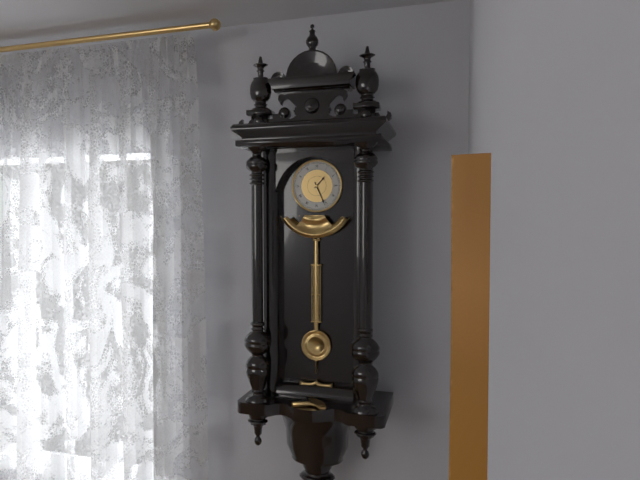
h=1 m=26
